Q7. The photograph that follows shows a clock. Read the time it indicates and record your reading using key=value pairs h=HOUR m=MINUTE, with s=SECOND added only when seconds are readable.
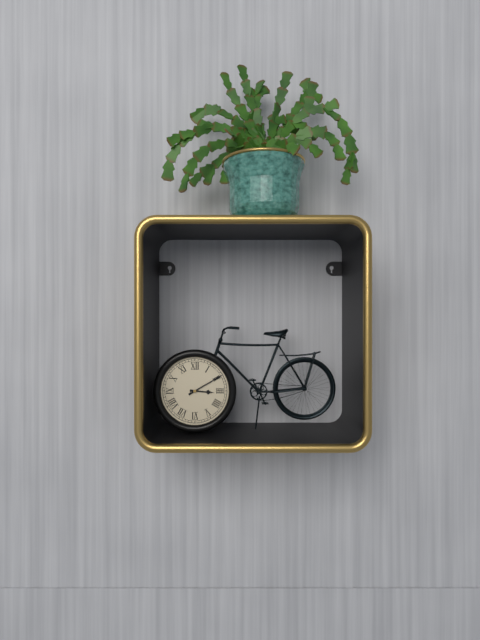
h=3 m=10
